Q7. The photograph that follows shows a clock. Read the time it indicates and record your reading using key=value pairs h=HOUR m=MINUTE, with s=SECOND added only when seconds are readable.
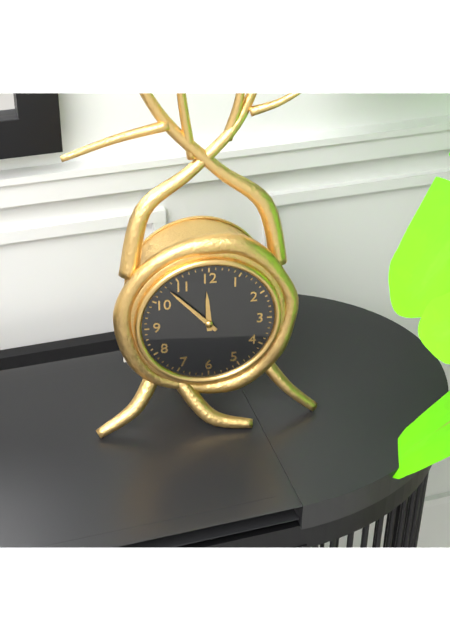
h=11 m=53
